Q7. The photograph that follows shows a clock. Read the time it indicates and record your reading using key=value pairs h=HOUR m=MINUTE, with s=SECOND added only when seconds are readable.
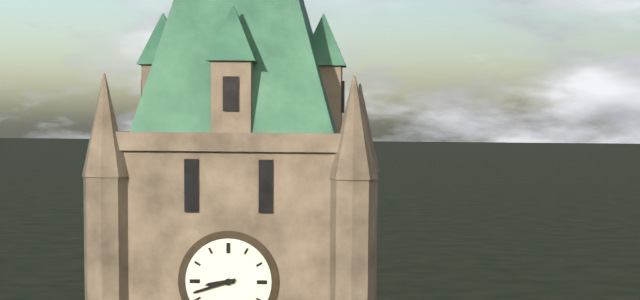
h=8 m=42
